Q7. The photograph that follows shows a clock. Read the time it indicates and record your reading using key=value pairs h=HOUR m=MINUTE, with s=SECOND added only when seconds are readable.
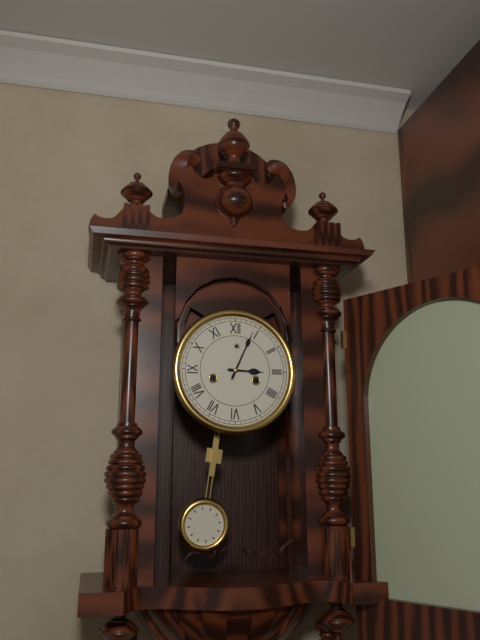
h=3 m=4
